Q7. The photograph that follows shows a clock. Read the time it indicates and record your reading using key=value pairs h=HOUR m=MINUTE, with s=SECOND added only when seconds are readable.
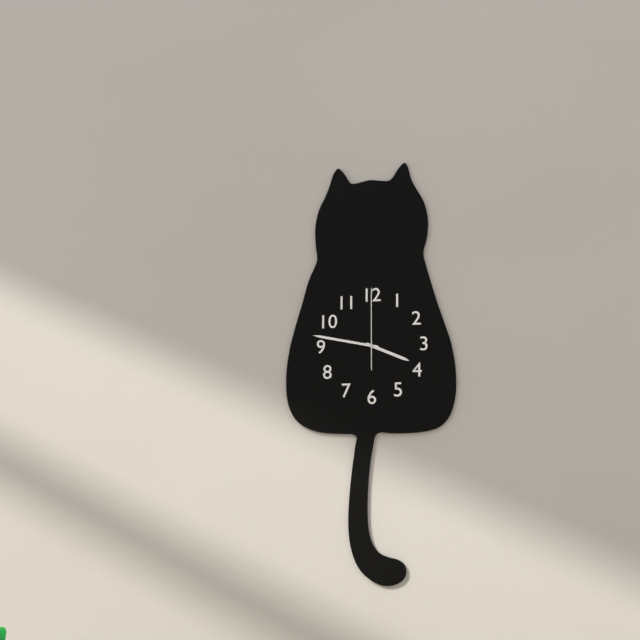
h=3 m=47 s=0
